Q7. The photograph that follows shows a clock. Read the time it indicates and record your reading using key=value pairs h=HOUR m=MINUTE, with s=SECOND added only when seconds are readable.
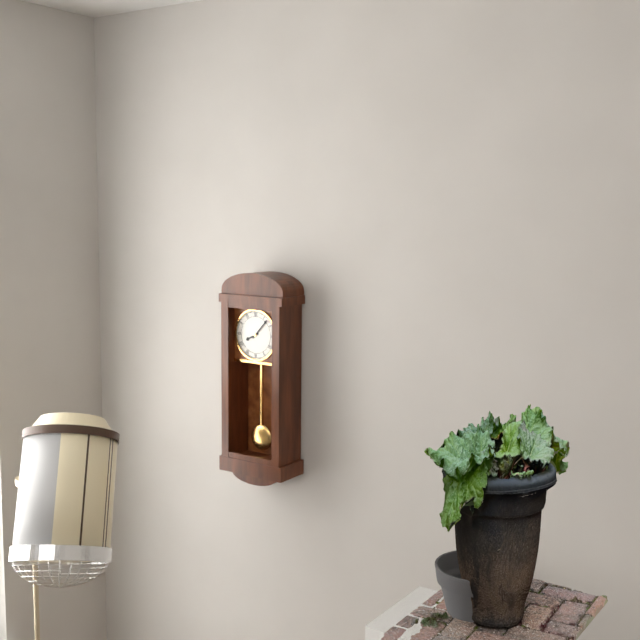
h=8 m=7
